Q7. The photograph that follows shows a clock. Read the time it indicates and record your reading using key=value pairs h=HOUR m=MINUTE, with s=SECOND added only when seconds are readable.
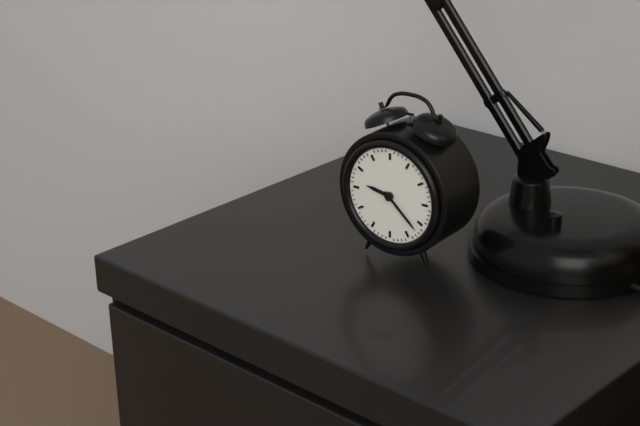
h=9 m=22
